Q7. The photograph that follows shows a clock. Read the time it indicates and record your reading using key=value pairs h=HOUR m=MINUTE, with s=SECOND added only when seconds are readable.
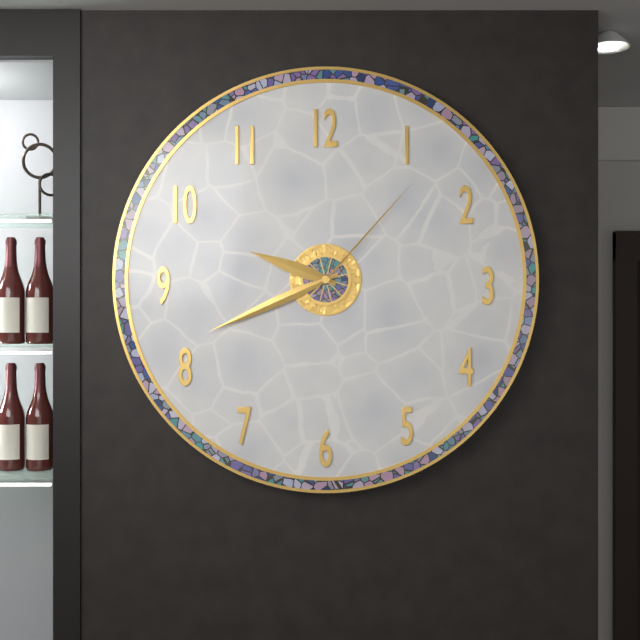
h=9 m=41 s=7
